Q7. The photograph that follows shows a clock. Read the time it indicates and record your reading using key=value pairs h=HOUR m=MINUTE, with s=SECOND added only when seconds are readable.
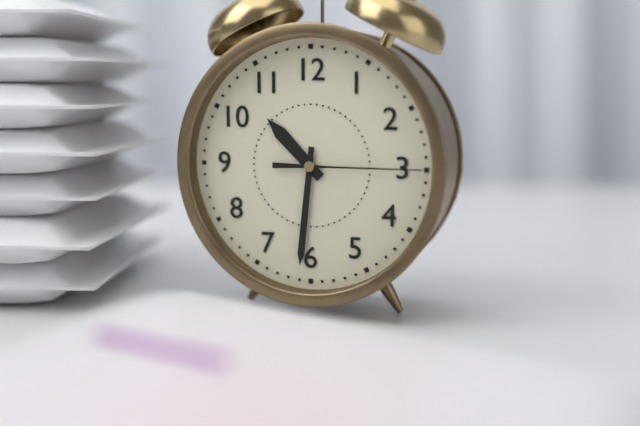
h=10 m=31 s=15
